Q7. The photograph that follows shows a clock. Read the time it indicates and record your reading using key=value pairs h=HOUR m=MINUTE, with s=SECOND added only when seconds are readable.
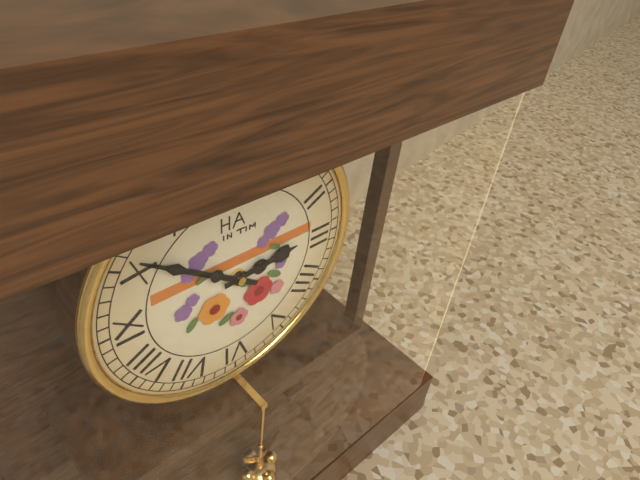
h=2 m=51
